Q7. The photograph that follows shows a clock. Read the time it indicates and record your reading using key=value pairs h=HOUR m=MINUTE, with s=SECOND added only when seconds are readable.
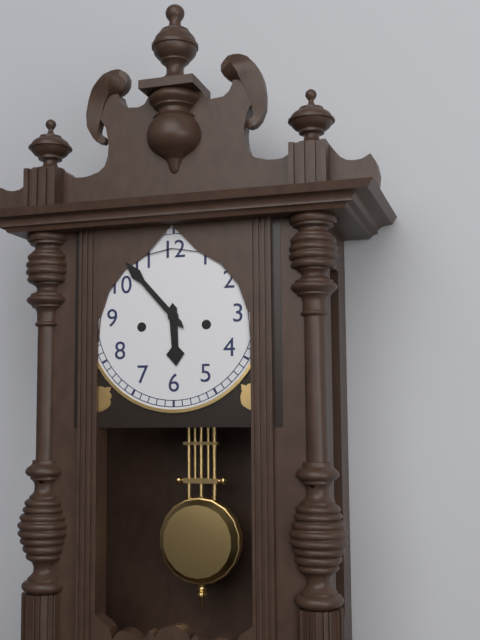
h=5 m=53
